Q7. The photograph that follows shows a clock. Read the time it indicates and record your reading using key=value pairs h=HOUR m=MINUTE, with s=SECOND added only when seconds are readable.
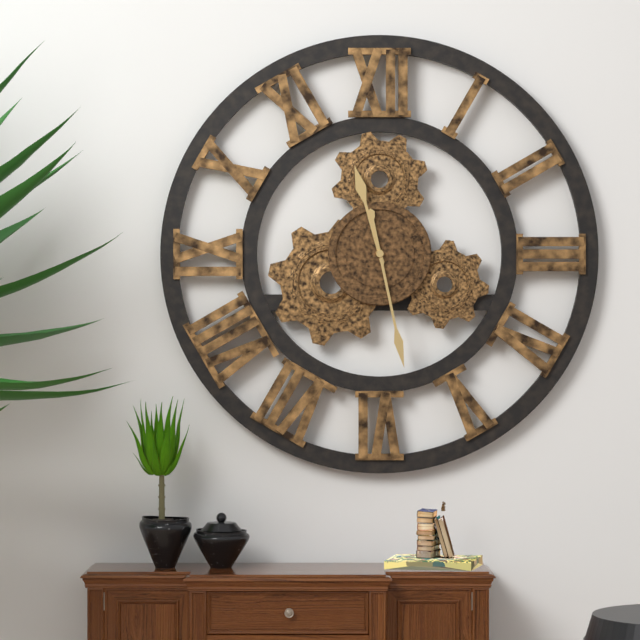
h=11 m=28
